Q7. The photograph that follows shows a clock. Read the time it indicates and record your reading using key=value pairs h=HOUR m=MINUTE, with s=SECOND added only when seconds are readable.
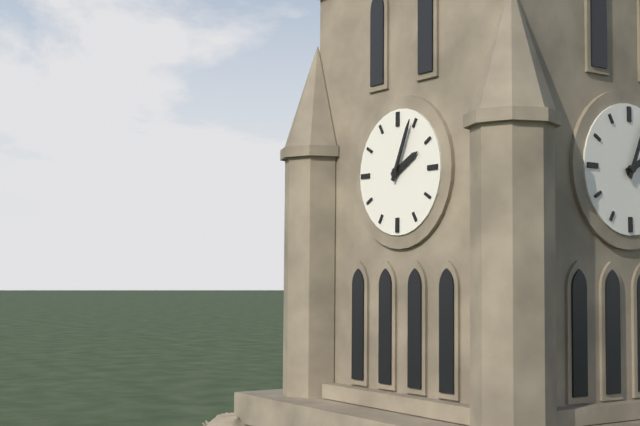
h=2 m=4
